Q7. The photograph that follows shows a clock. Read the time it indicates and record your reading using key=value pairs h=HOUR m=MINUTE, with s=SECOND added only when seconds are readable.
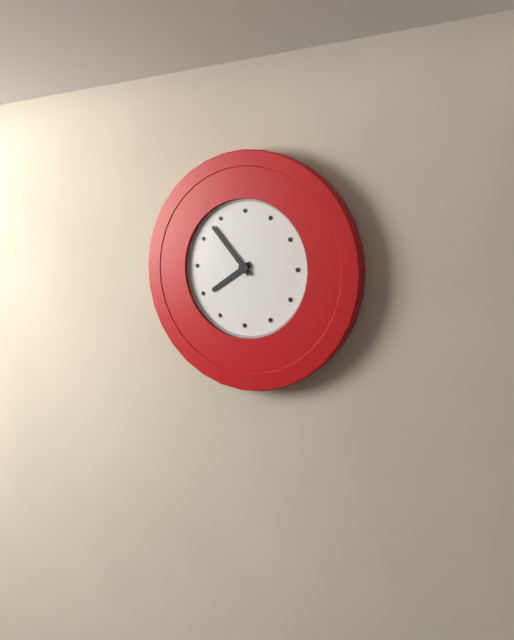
h=7 m=53
